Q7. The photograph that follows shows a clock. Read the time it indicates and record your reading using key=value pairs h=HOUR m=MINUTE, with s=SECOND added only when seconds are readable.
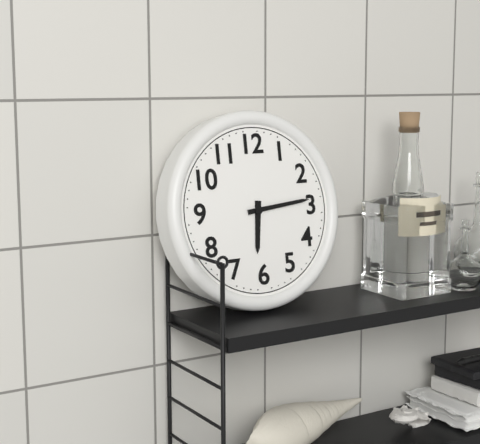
h=6 m=14
